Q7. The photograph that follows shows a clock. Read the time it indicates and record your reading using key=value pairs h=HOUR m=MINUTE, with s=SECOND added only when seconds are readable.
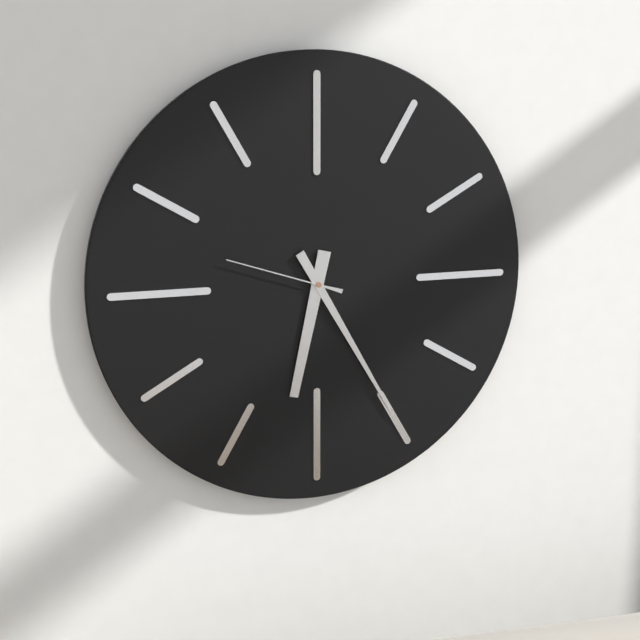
h=6 m=25 s=48
